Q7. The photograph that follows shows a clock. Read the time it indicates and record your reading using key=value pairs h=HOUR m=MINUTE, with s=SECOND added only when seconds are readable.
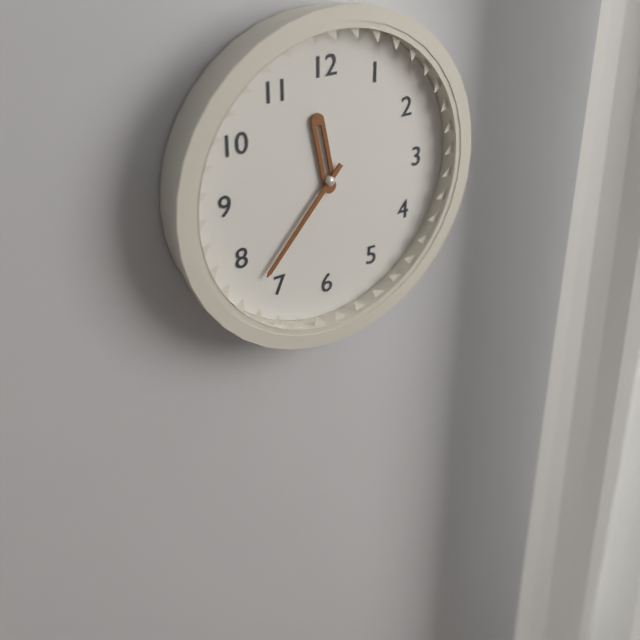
h=11 m=37
